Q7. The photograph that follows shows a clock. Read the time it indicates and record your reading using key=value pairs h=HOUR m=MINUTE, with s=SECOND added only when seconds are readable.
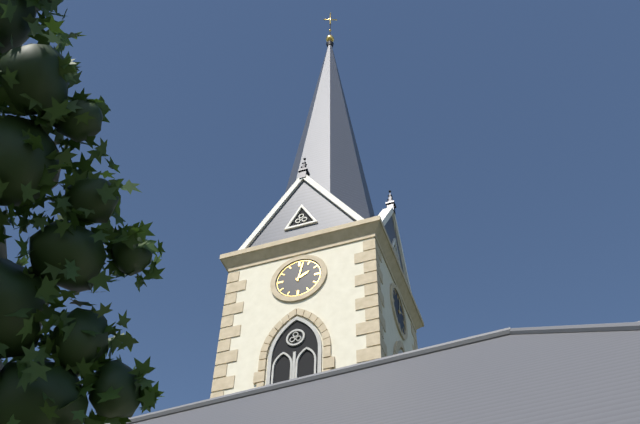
h=2 m=2
